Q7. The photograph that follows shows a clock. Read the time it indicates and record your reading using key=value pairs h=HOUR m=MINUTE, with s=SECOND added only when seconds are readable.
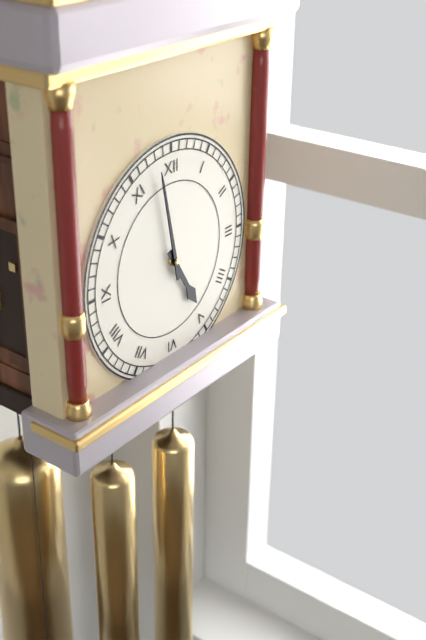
h=4 m=58
